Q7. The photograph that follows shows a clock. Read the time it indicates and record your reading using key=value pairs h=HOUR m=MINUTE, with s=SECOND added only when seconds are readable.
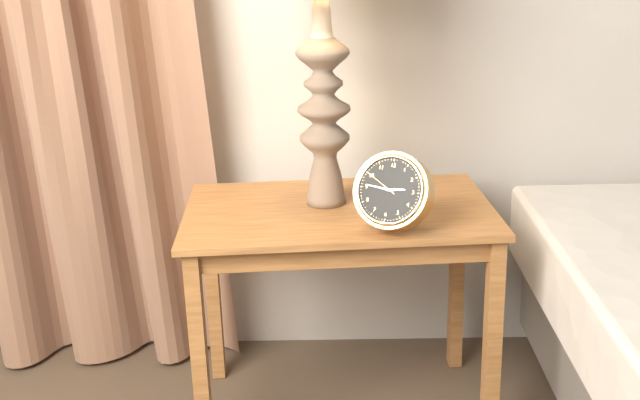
h=2 m=46
